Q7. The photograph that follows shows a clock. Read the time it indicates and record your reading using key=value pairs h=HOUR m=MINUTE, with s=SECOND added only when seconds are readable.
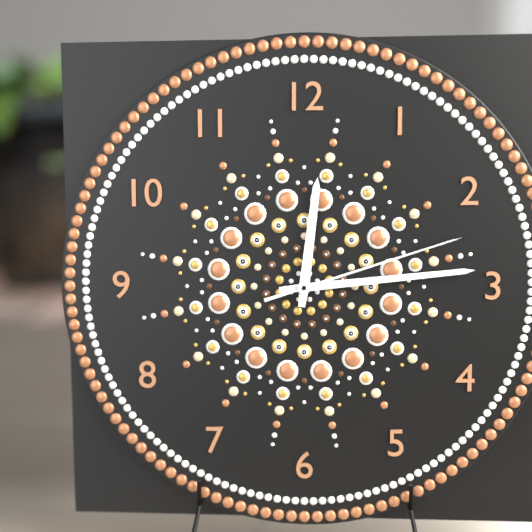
h=12 m=14 s=12
